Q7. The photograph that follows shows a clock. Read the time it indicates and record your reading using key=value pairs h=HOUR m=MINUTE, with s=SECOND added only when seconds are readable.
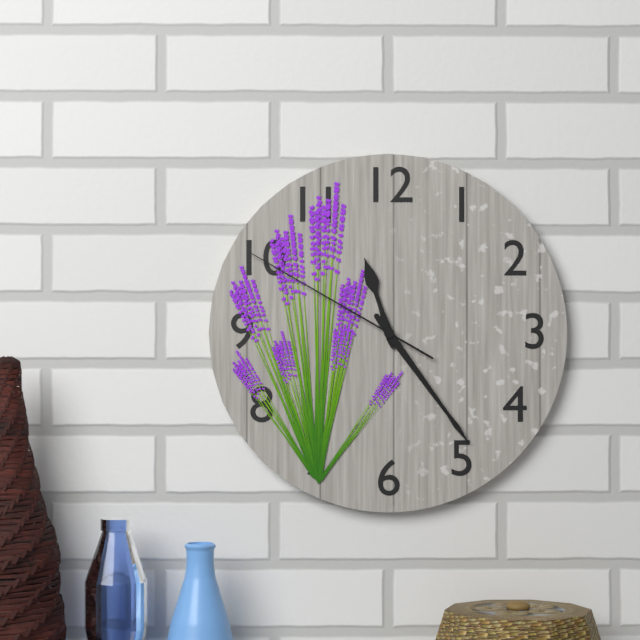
h=11 m=24 s=50
